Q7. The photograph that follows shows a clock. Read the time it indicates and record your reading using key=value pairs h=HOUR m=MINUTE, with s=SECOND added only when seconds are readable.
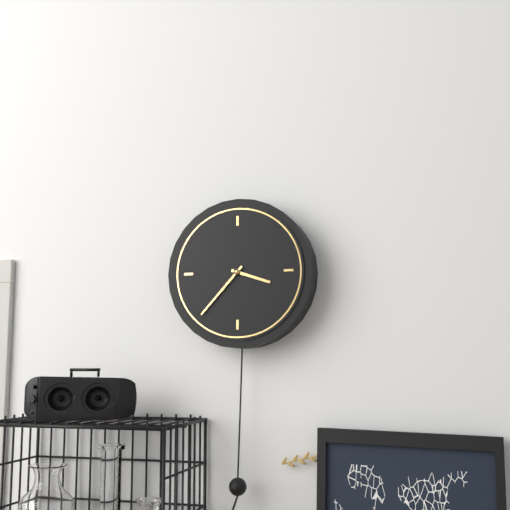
h=3 m=37
